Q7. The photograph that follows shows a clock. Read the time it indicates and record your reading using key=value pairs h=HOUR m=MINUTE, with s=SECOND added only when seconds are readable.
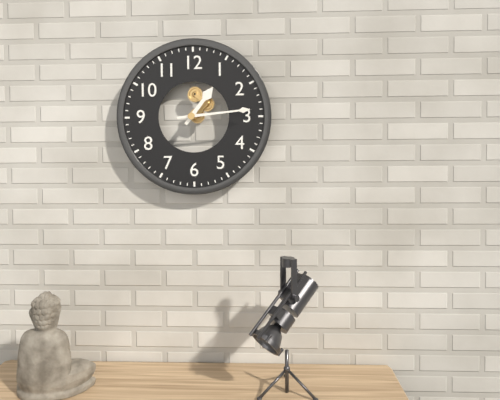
h=1 m=14
